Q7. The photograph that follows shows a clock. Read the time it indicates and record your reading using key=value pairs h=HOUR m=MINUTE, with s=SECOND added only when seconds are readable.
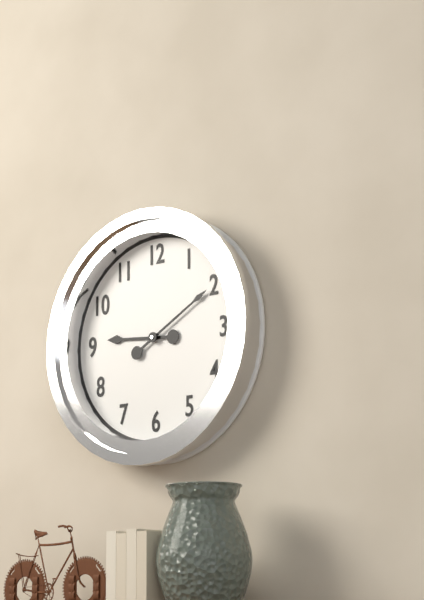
h=9 m=10
